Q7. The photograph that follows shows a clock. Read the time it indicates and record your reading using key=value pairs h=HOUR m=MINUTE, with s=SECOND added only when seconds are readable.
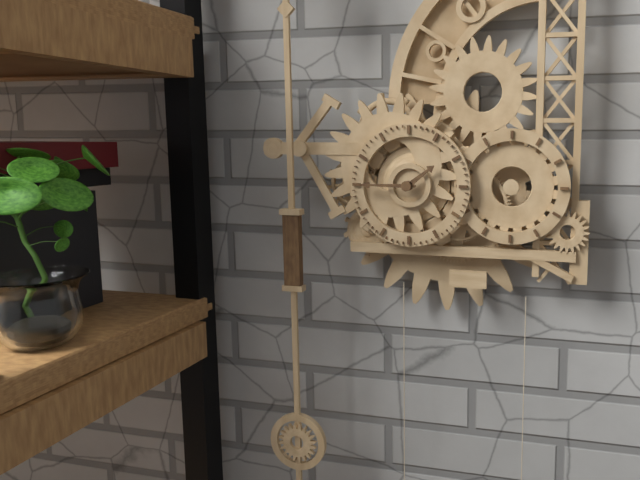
h=1 m=45
